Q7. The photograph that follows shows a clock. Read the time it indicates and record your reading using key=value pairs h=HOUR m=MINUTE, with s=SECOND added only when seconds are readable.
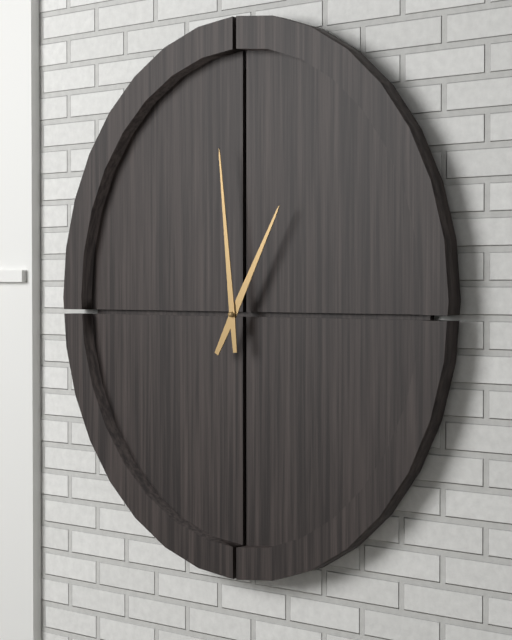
h=12 m=59
